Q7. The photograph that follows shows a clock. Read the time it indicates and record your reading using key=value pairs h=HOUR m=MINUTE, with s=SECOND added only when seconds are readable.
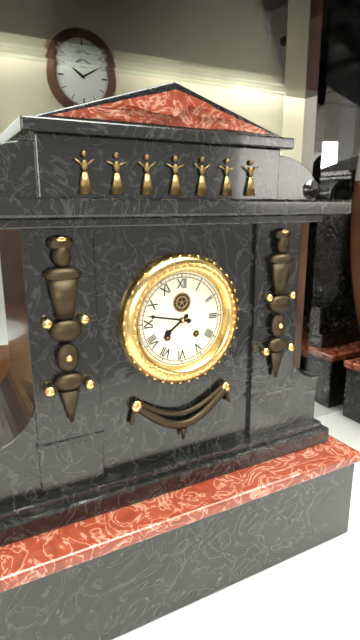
h=7 m=47
